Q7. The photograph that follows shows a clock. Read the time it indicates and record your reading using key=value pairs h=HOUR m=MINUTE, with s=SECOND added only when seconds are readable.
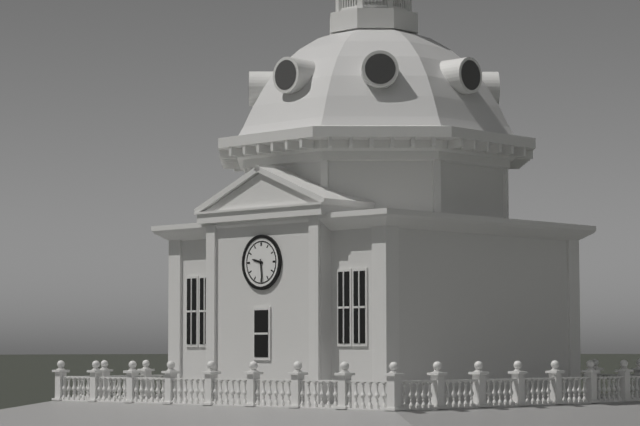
h=9 m=29
